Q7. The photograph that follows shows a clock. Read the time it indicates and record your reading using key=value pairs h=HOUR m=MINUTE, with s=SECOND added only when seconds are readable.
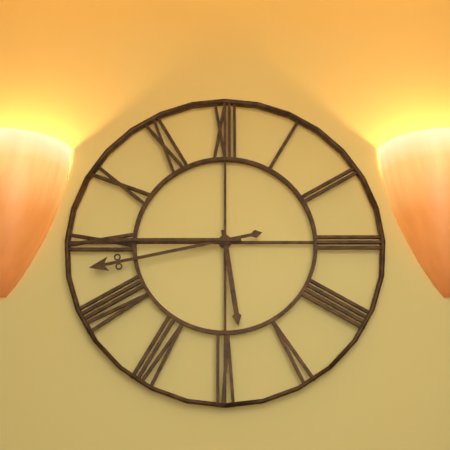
h=5 m=43 s=45
